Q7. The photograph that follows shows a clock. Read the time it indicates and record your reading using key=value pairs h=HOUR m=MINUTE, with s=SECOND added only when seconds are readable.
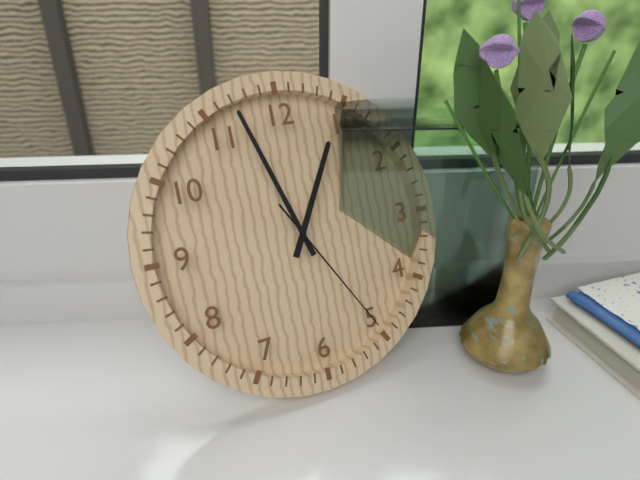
h=12 m=57 s=25
